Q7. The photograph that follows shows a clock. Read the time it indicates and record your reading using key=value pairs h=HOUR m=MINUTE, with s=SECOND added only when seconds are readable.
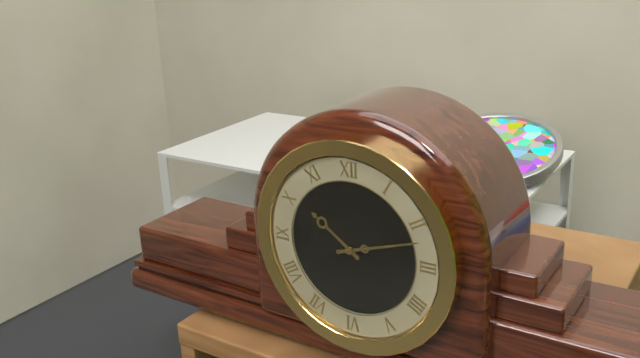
h=10 m=12
